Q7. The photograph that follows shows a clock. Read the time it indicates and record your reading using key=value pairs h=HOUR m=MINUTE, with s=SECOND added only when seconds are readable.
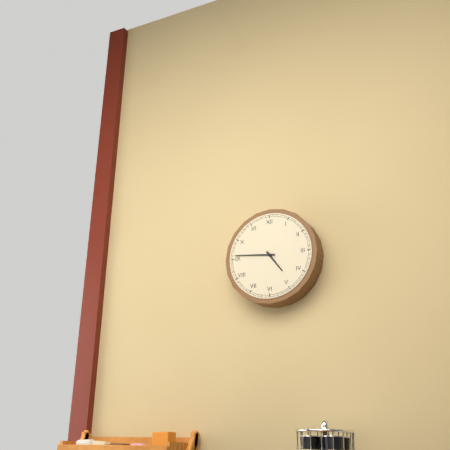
h=4 m=46
